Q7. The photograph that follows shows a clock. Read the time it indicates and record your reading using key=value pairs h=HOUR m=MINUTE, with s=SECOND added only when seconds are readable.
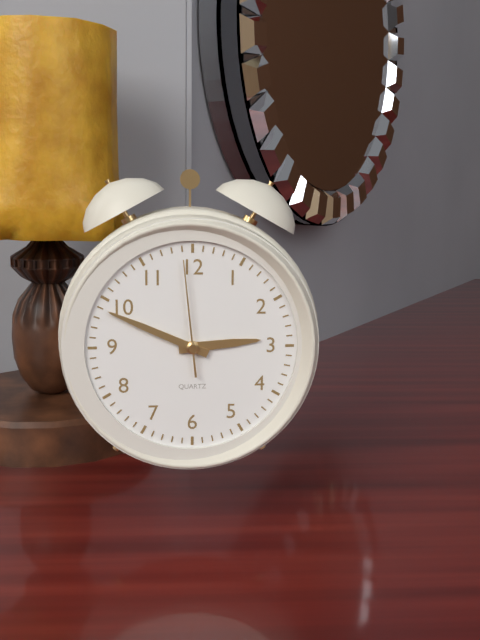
h=2 m=49 s=59
